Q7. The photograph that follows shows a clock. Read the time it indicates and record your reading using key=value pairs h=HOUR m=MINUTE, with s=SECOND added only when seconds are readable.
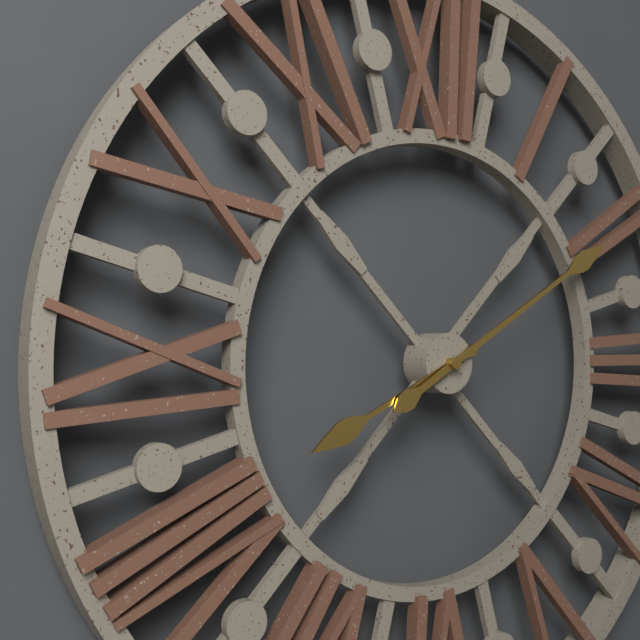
h=8 m=10
